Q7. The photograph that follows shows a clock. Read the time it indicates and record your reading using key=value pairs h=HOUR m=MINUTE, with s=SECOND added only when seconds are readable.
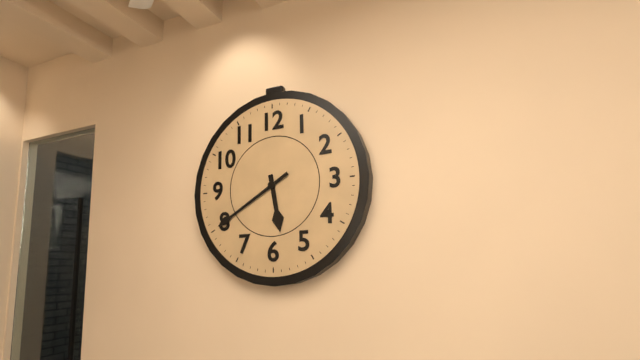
h=5 m=40
